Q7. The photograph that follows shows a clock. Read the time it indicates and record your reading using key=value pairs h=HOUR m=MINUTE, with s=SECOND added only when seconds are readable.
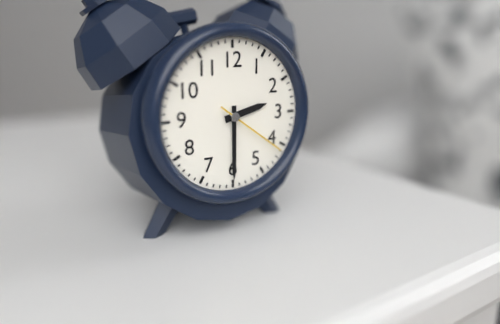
h=2 m=30 s=21
